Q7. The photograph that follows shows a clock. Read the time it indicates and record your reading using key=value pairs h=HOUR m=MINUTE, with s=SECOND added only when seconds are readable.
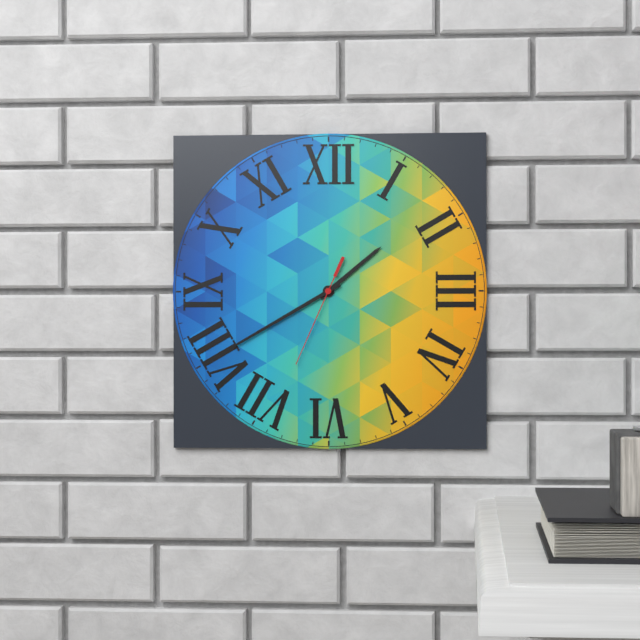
h=1 m=40 s=34
